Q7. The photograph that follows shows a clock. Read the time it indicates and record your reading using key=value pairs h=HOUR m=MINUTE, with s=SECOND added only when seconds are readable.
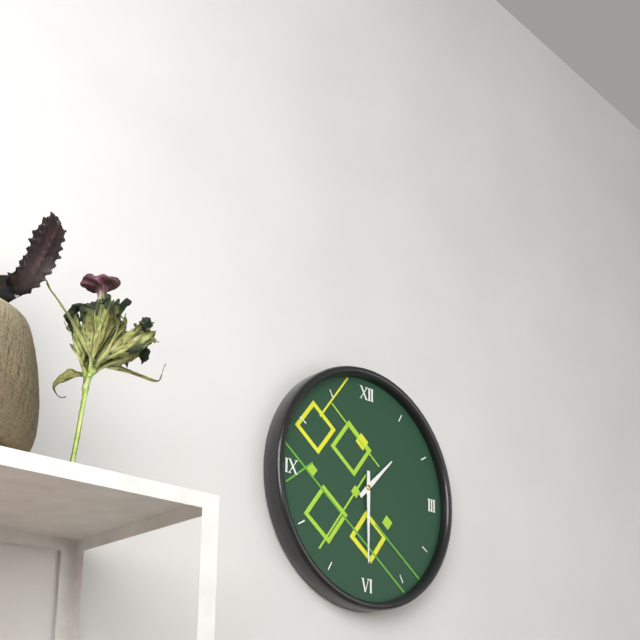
h=1 m=30
